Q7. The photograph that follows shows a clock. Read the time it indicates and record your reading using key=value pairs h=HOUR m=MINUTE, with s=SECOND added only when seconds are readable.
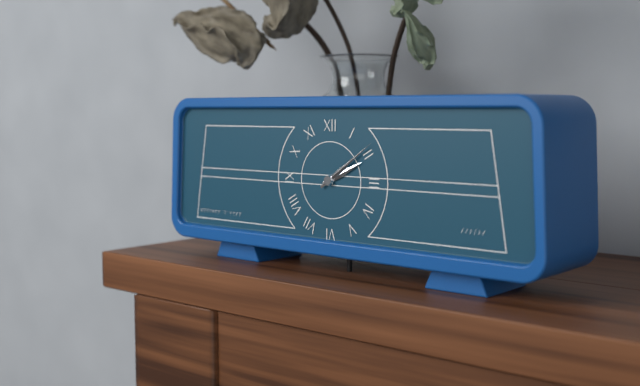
h=2 m=9
